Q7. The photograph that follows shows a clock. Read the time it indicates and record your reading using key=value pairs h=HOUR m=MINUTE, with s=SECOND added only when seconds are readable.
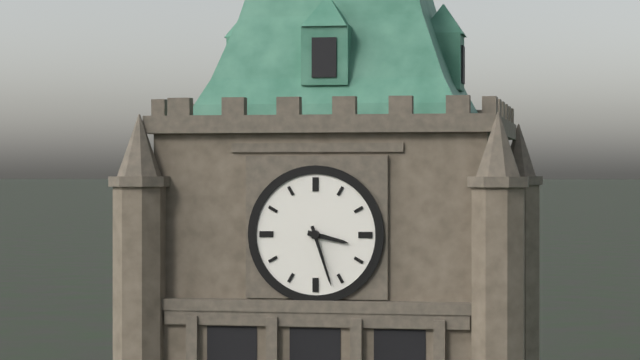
h=3 m=27
